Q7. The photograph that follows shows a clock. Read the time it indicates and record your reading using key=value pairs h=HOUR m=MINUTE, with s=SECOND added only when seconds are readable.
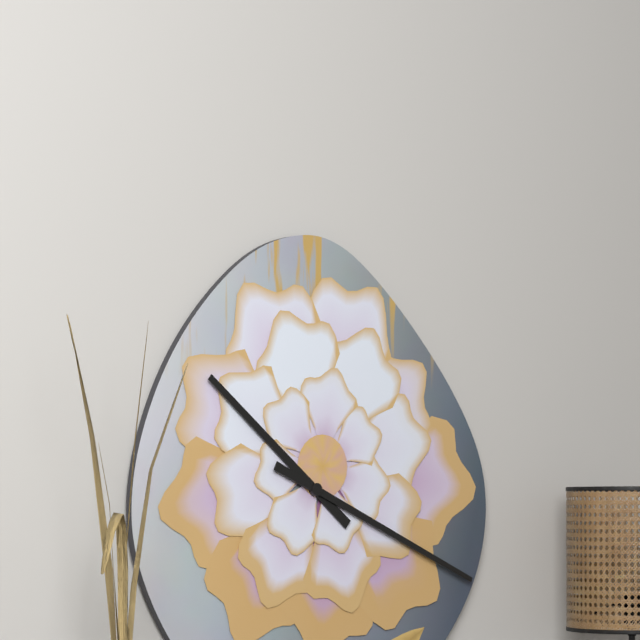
h=10 m=19
